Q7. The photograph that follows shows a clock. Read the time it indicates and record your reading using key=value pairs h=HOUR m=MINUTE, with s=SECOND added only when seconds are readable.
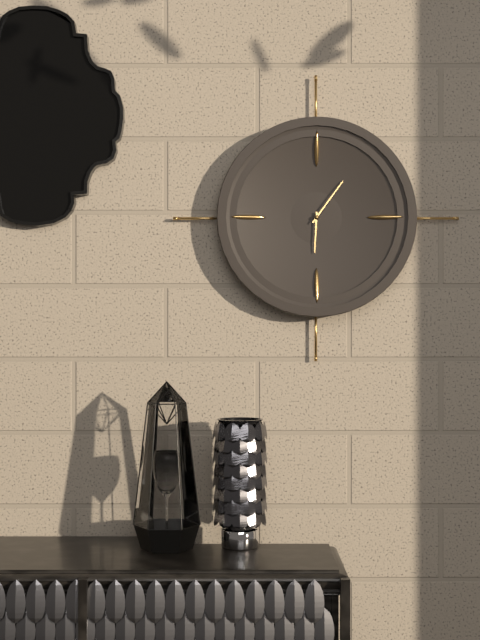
h=6 m=6
